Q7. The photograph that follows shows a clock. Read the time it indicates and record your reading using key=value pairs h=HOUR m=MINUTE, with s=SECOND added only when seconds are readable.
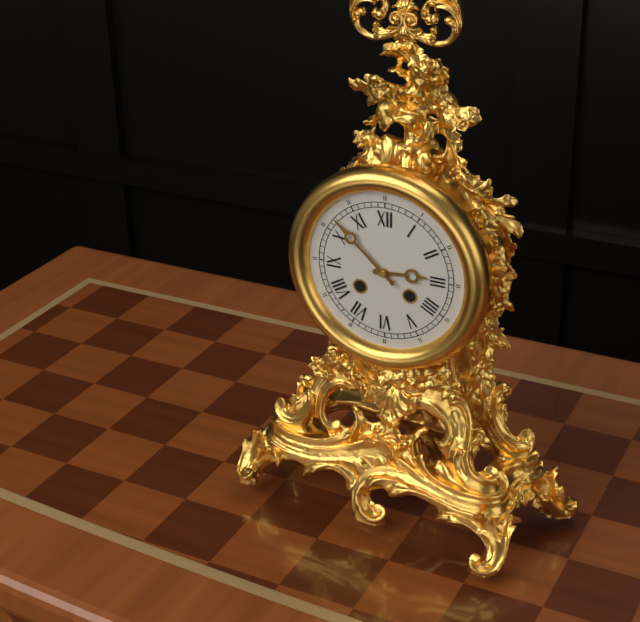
h=2 m=52
